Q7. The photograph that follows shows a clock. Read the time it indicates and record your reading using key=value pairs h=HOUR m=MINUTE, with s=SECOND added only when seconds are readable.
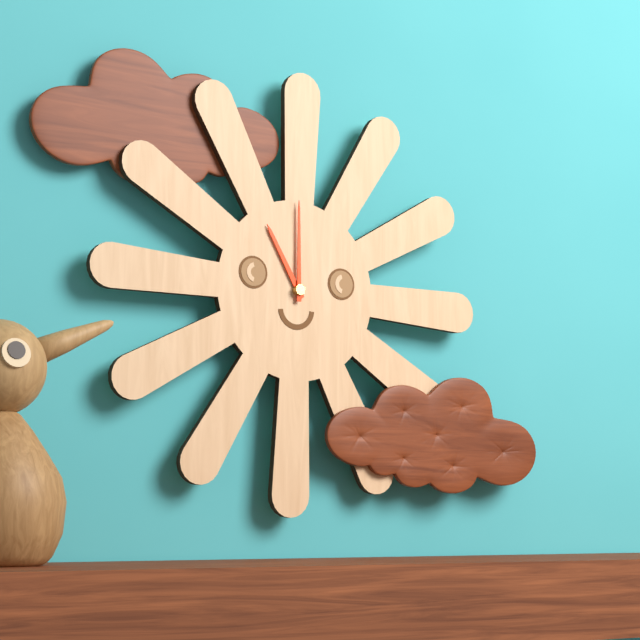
h=11 m=0
